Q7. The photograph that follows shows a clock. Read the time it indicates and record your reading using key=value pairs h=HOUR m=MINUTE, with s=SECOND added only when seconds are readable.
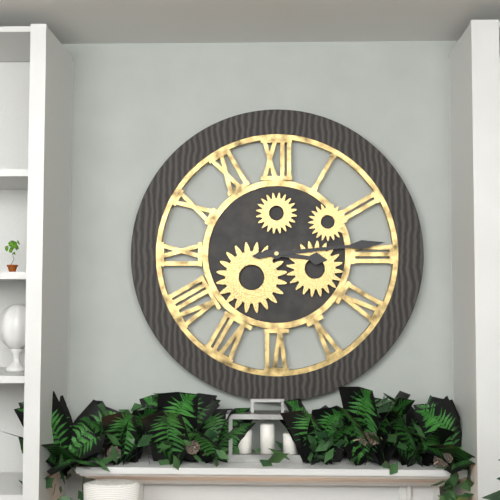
h=3 m=14
